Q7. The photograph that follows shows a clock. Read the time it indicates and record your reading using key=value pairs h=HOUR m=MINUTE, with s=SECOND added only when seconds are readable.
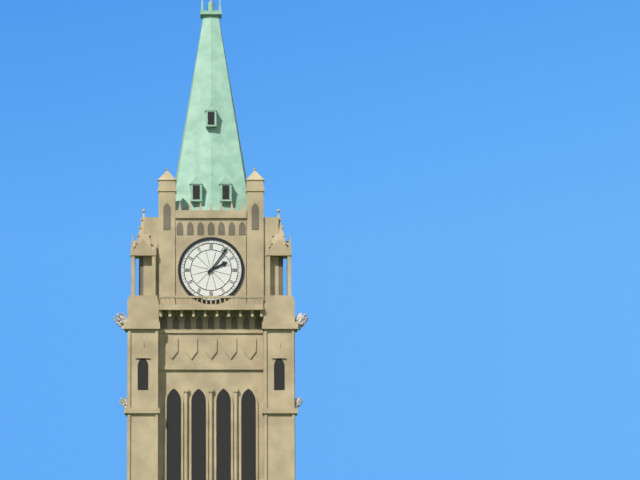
h=2 m=6
